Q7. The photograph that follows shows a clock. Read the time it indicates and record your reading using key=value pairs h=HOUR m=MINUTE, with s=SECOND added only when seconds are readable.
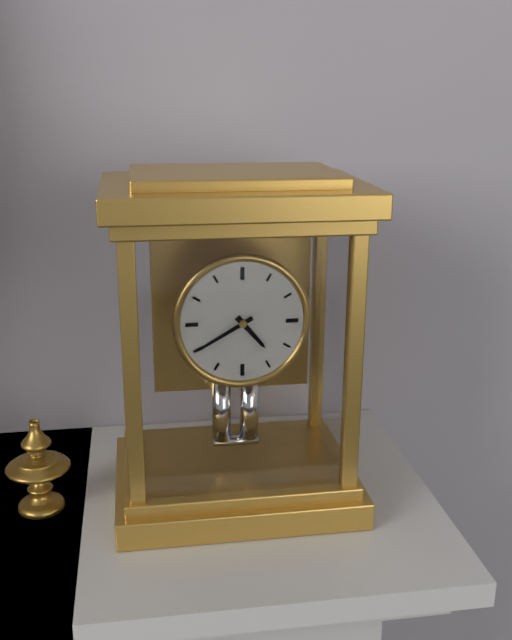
h=4 m=40
